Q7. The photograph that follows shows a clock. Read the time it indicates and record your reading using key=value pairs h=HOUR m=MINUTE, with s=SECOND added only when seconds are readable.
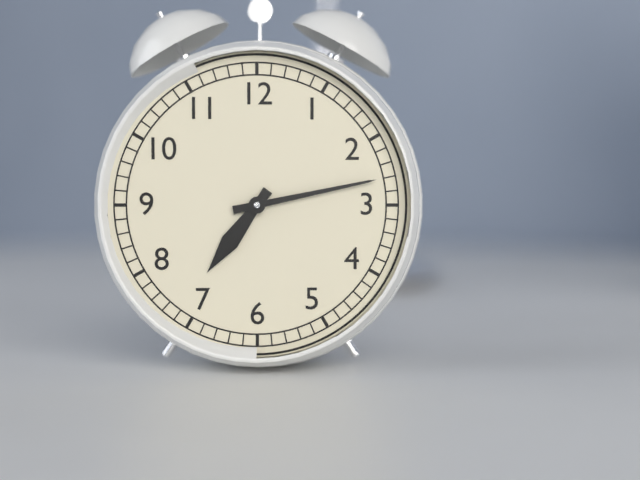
h=7 m=13
